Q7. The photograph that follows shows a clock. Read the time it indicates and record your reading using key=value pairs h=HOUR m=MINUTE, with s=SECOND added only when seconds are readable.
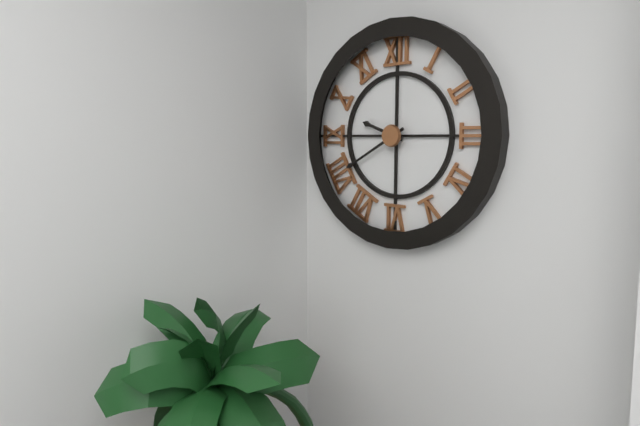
h=9 m=40
